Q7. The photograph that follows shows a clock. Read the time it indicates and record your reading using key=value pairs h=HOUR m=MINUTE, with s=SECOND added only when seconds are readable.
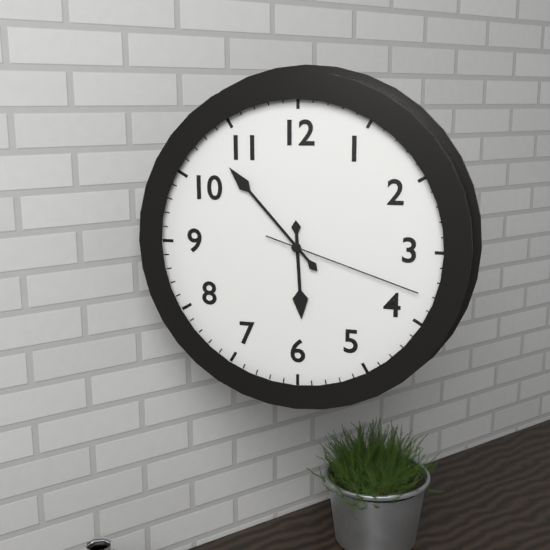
h=5 m=53 s=18
